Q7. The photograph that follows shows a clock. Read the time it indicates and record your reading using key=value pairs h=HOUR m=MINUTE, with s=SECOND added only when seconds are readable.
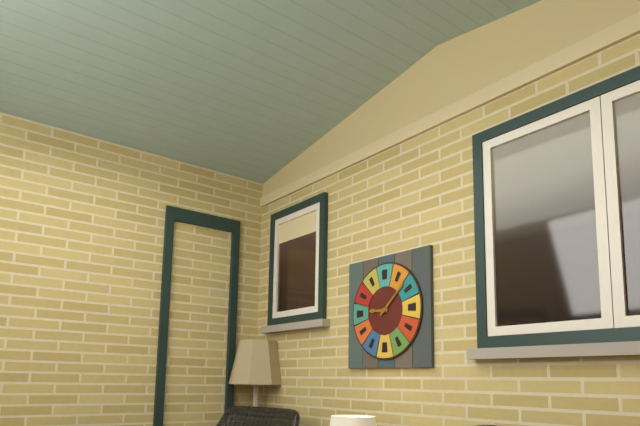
h=9 m=8
